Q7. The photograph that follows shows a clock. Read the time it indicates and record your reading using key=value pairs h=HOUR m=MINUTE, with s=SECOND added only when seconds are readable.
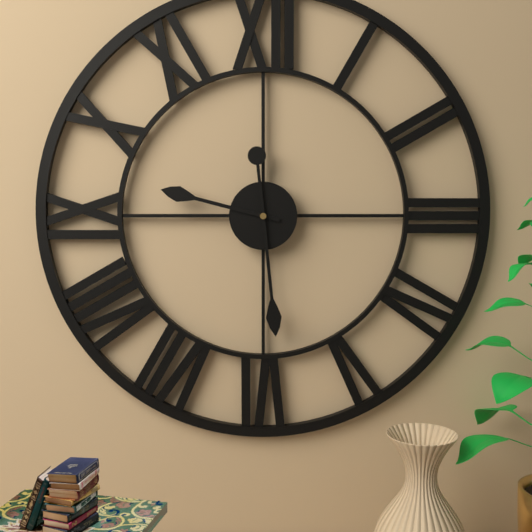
h=9 m=29
